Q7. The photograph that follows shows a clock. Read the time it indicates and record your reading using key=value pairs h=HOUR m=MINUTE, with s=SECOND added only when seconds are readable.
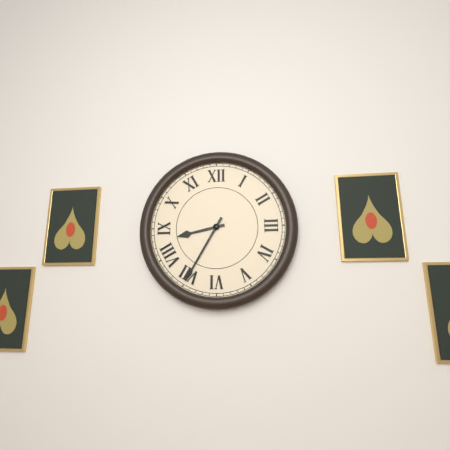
h=8 m=35
